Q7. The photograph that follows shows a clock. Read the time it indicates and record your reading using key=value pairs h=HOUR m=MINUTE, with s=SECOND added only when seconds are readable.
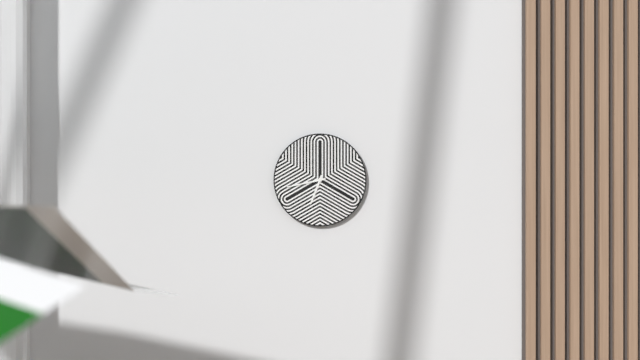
h=6 m=43
